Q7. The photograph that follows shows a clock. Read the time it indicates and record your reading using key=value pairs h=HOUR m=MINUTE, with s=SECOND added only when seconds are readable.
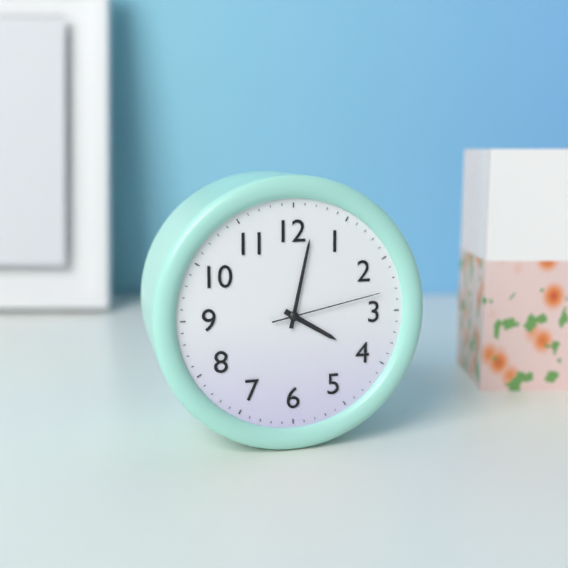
h=4 m=2 s=13
